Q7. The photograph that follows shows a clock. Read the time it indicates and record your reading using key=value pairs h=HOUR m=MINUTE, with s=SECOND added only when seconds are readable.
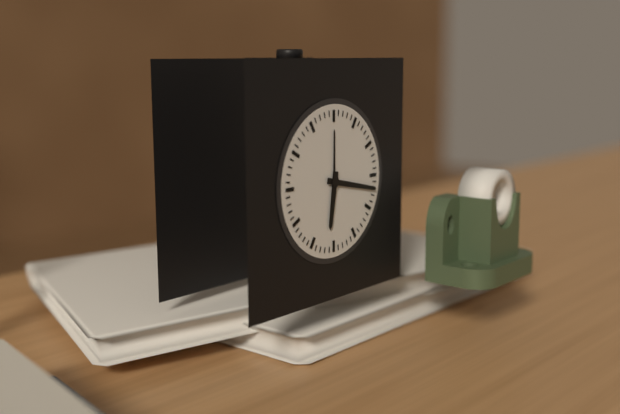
h=6 m=17
